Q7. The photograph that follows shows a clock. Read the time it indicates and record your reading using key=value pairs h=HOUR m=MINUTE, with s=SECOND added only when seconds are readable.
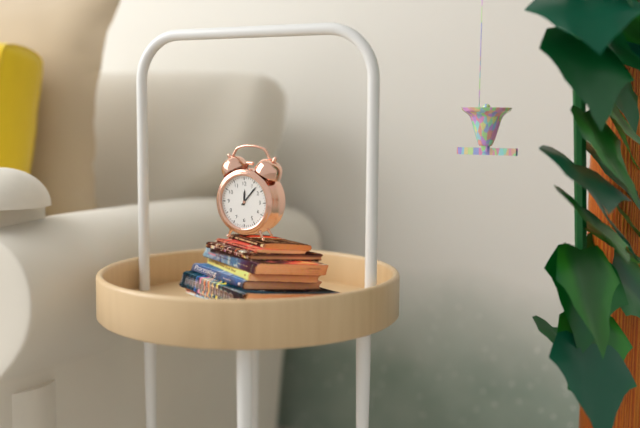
h=12 m=7
